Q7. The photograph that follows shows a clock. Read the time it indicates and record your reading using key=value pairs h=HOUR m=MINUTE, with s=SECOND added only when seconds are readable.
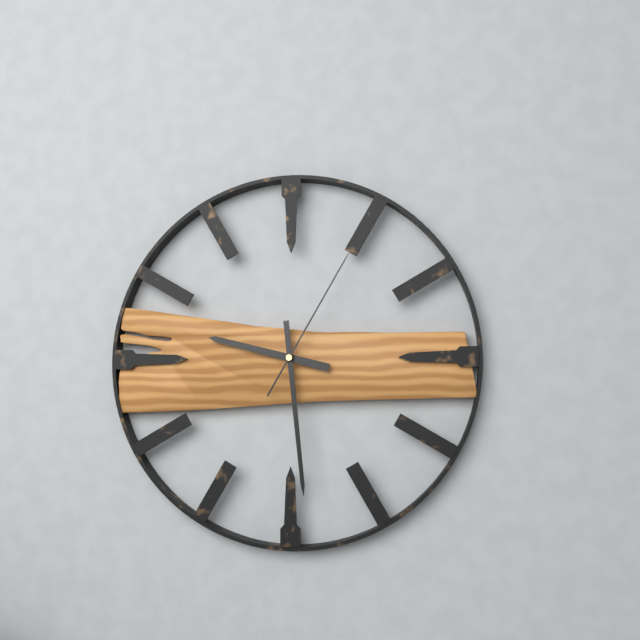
h=9 m=29 s=5
